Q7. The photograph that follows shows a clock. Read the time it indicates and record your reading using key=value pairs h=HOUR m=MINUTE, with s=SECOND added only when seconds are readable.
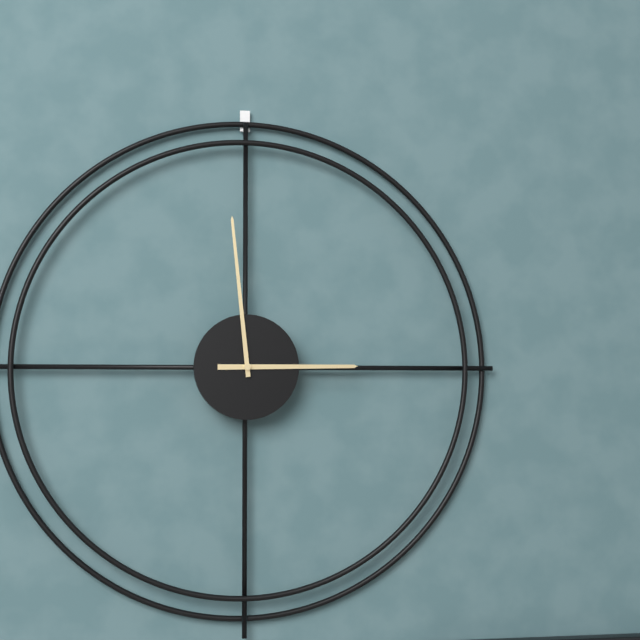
h=2 m=59
